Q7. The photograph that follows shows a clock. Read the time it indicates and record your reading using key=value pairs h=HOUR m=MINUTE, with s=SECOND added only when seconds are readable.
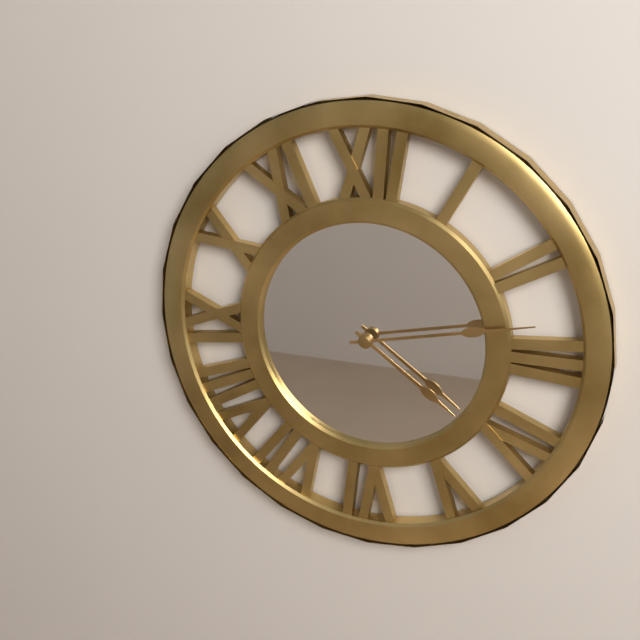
h=4 m=13
